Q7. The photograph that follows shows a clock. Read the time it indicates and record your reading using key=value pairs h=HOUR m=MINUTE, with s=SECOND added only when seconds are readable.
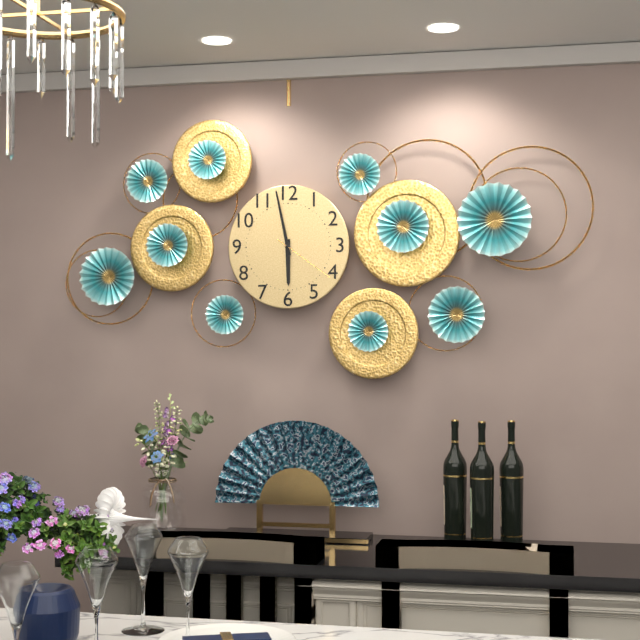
h=5 m=58 s=21
